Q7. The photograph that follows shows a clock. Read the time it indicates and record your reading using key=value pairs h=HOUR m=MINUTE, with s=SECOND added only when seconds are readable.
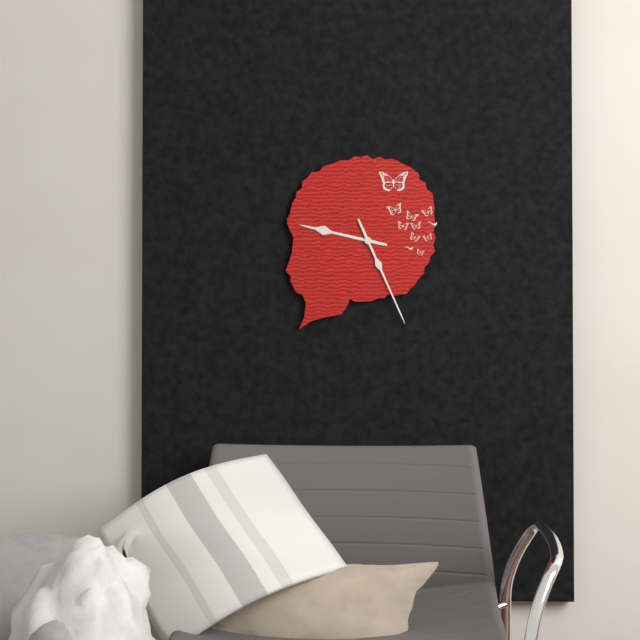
h=9 m=26
